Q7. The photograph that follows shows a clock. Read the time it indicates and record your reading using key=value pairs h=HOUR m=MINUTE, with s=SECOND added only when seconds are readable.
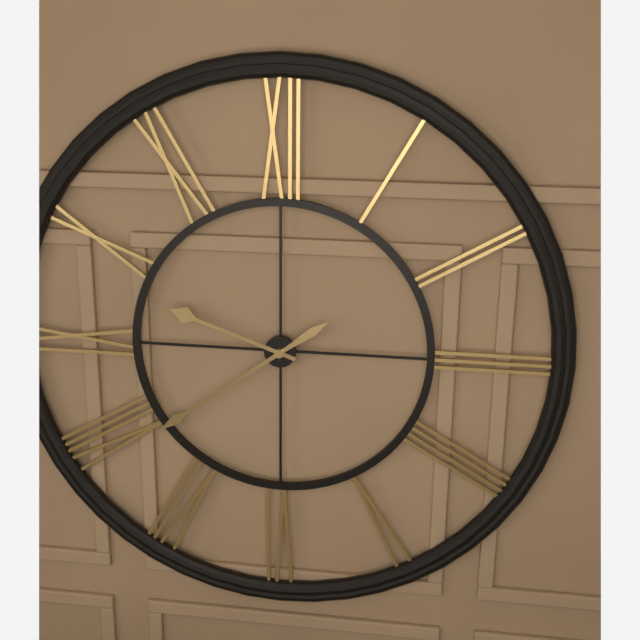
h=9 m=39
